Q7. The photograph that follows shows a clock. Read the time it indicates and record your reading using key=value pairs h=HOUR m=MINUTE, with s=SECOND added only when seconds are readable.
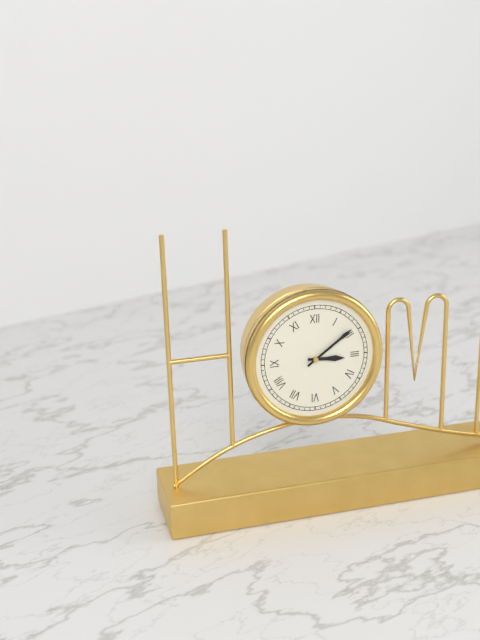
h=3 m=9
